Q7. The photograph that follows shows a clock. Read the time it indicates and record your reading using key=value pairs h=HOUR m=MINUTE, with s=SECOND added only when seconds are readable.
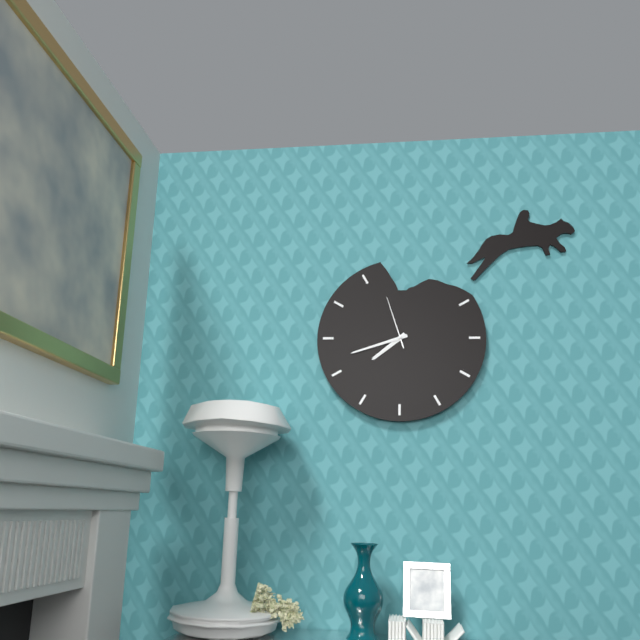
h=7 m=42 s=57
